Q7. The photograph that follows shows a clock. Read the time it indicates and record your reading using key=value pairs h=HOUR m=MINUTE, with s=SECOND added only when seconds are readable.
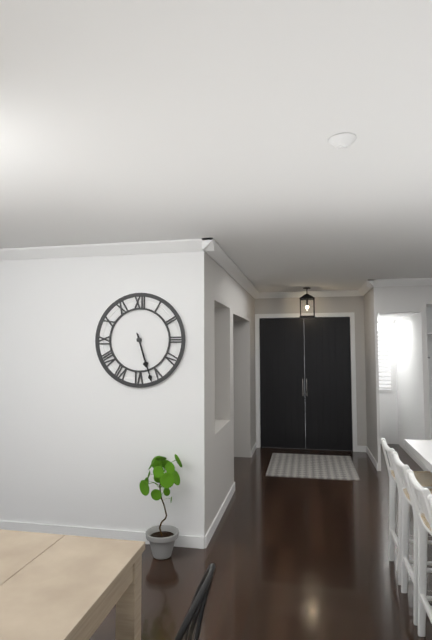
h=5 m=27
